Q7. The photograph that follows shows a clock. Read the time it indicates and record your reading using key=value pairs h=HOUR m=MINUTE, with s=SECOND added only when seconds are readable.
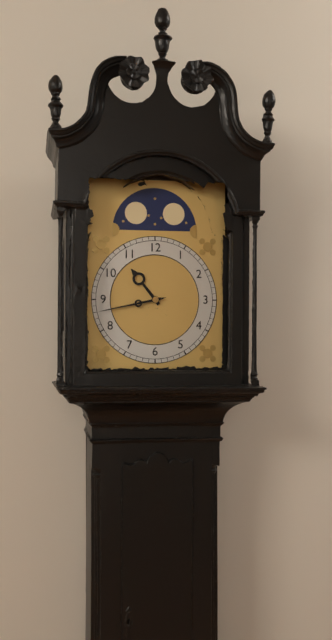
h=10 m=43
